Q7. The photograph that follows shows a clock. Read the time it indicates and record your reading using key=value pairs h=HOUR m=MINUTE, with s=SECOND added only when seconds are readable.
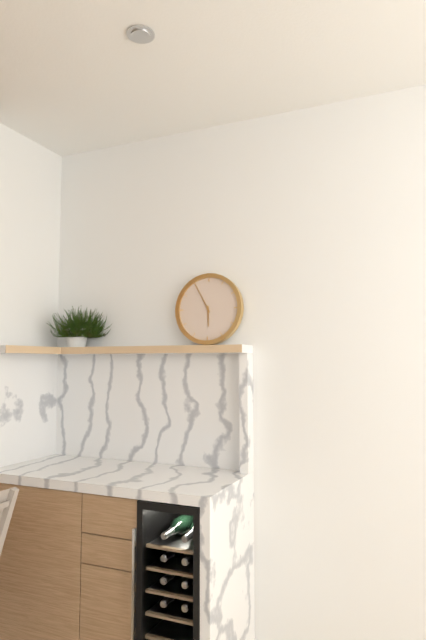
h=5 m=55
